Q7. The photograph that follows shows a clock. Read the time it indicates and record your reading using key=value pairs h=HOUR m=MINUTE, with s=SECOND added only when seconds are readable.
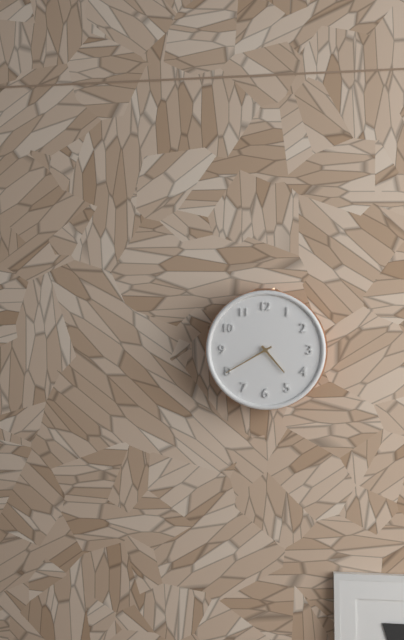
h=4 m=40
